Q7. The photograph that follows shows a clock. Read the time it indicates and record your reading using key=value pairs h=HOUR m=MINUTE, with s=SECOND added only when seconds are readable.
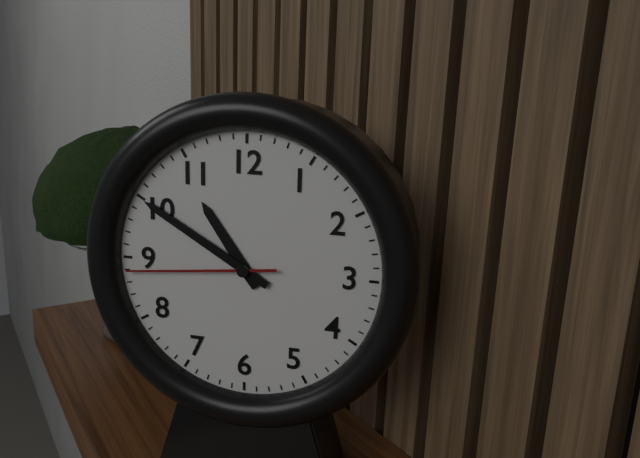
h=10 m=50 s=44
